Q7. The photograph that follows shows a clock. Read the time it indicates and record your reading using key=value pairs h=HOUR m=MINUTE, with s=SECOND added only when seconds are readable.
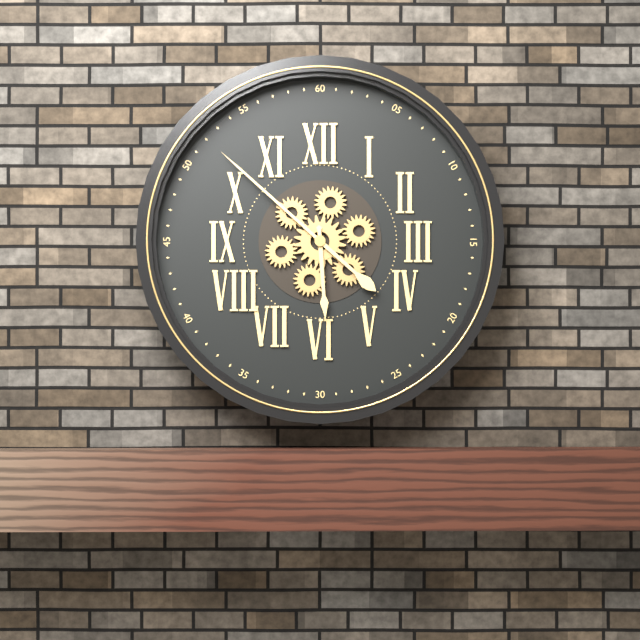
h=5 m=52
